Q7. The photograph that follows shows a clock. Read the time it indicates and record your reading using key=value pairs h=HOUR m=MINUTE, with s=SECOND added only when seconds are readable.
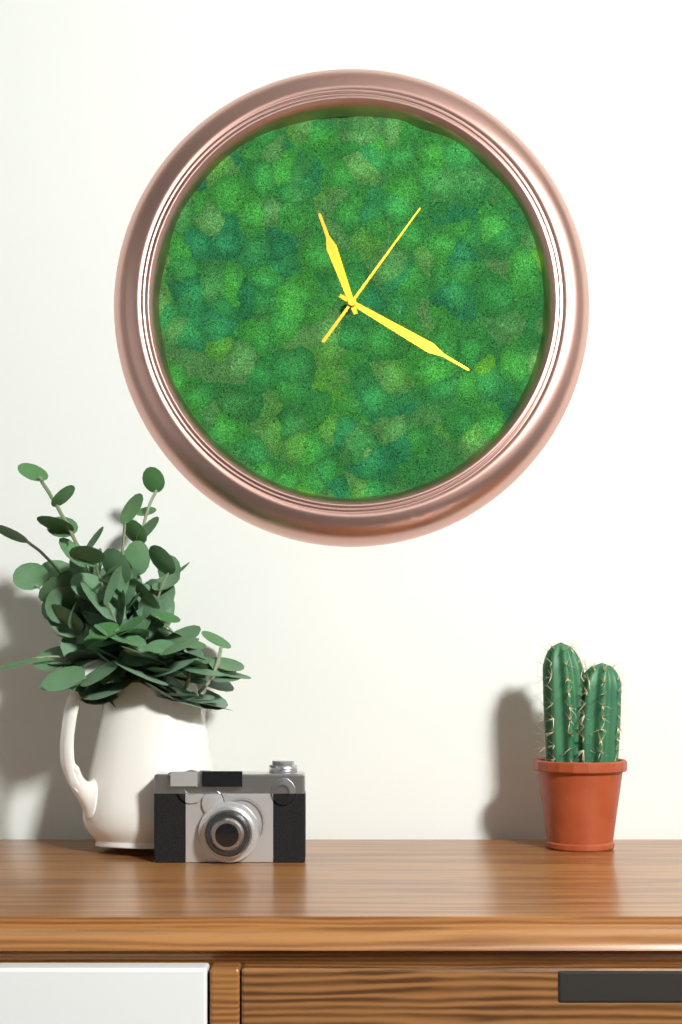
h=11 m=20 s=6
